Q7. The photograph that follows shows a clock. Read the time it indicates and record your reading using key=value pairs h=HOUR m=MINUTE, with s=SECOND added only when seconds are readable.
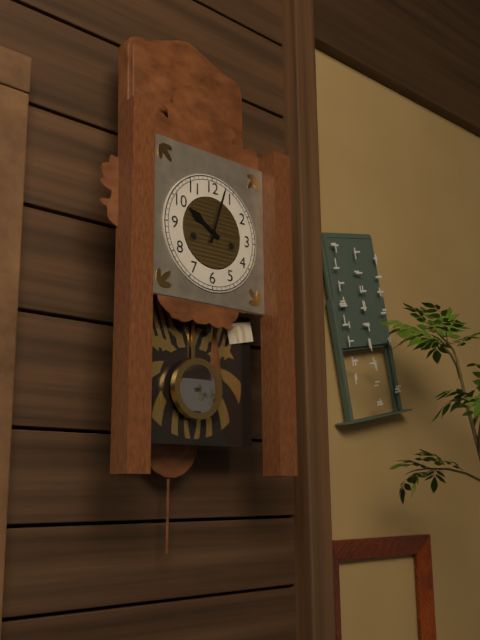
h=10 m=3
